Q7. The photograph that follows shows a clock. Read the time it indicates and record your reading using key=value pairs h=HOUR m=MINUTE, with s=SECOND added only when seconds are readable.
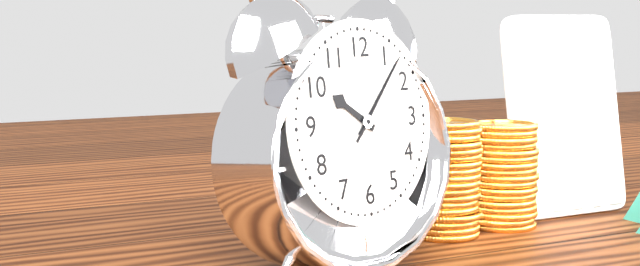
h=10 m=7 s=7
